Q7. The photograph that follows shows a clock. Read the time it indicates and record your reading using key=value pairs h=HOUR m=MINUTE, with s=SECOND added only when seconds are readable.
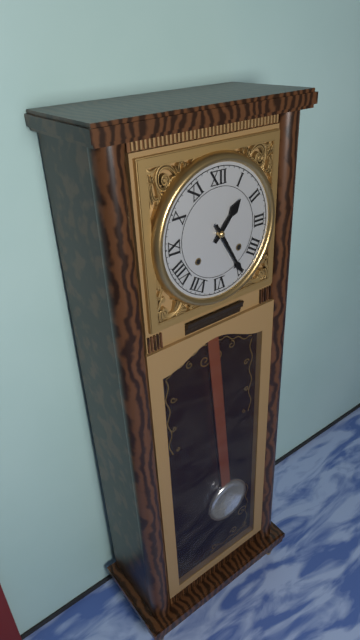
h=1 m=25
